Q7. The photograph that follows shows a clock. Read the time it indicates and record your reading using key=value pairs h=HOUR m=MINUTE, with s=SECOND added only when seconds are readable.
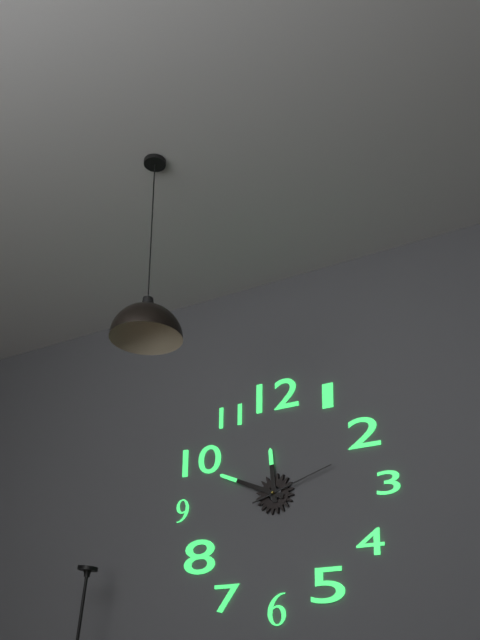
h=11 m=49 s=12
